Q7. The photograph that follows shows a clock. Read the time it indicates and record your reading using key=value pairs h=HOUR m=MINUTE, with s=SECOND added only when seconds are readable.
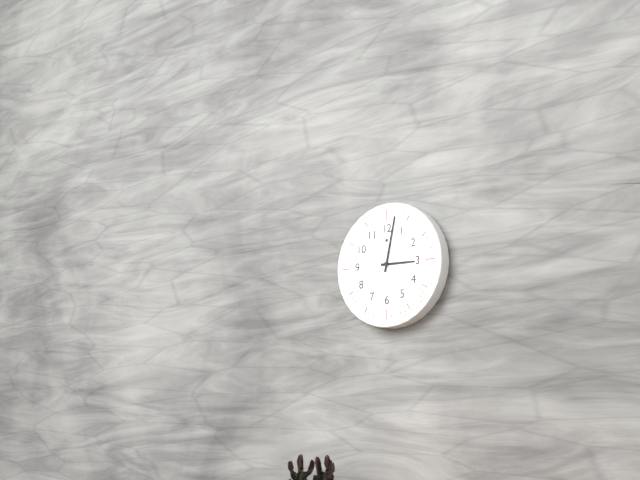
h=3 m=2
